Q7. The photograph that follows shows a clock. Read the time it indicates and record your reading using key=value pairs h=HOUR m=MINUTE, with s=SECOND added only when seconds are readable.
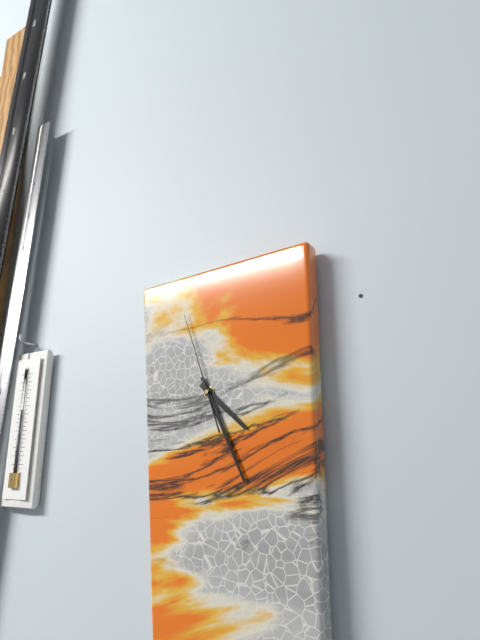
h=4 m=26 s=57
